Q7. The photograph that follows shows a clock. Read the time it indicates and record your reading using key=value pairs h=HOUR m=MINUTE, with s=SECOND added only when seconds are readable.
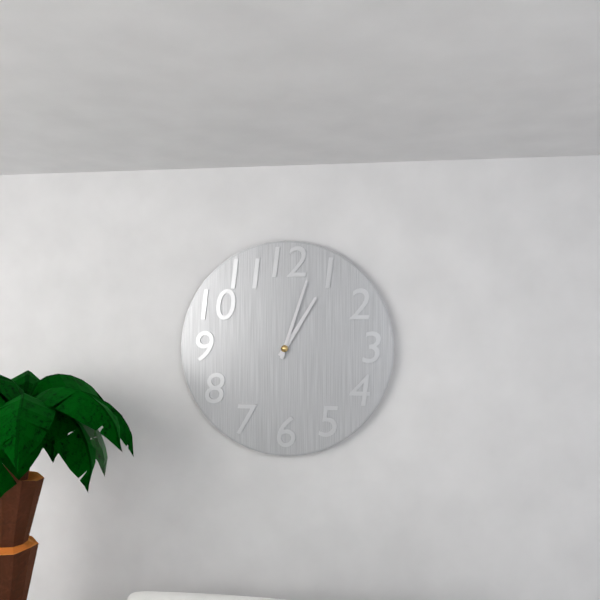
h=1 m=3
